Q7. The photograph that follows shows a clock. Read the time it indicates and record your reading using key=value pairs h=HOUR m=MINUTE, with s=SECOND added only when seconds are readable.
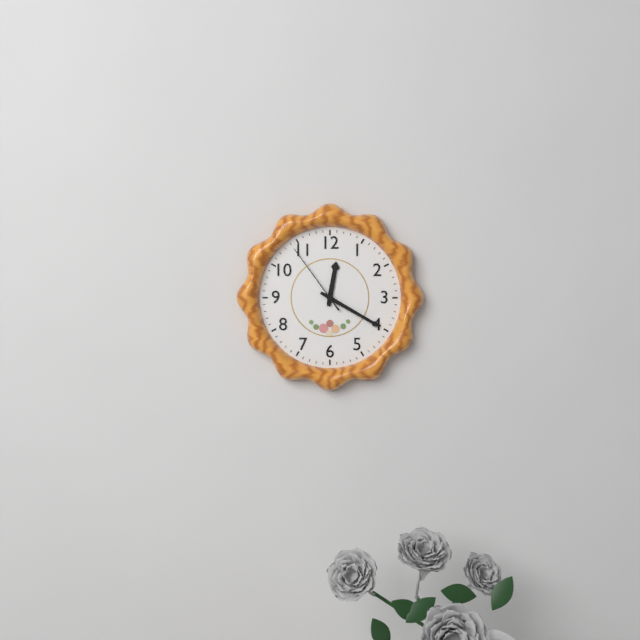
h=12 m=20 s=54
